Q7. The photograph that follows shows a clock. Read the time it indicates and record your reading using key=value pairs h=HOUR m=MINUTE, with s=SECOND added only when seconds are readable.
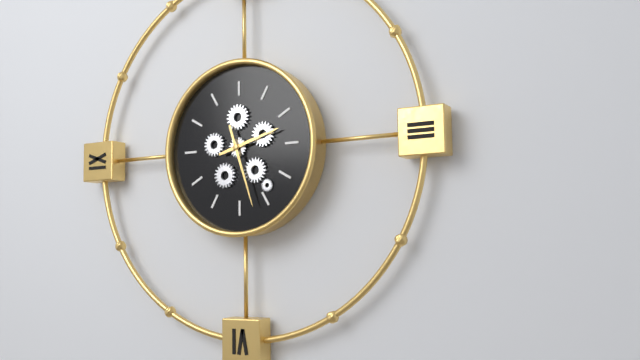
h=2 m=27
